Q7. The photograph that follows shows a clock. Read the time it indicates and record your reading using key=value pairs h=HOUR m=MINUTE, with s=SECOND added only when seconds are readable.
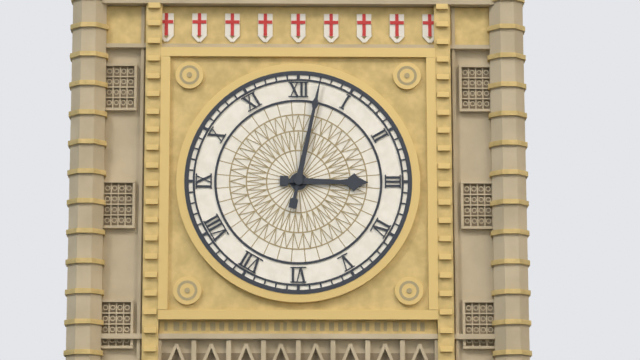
h=3 m=2
